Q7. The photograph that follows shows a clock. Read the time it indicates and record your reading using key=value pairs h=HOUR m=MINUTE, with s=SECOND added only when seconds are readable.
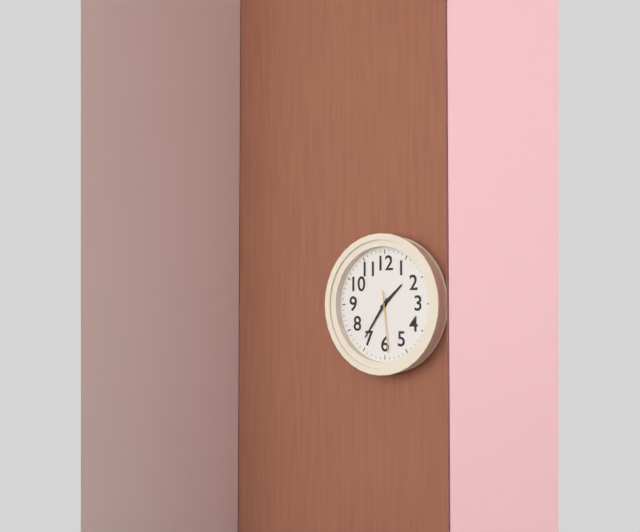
h=1 m=36 s=29
